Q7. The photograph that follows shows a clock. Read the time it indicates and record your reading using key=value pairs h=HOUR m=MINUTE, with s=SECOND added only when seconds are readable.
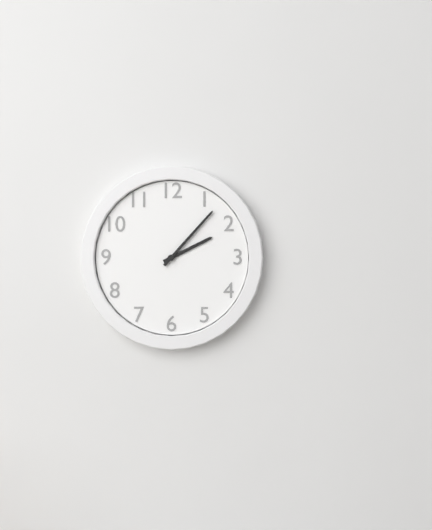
h=2 m=7
